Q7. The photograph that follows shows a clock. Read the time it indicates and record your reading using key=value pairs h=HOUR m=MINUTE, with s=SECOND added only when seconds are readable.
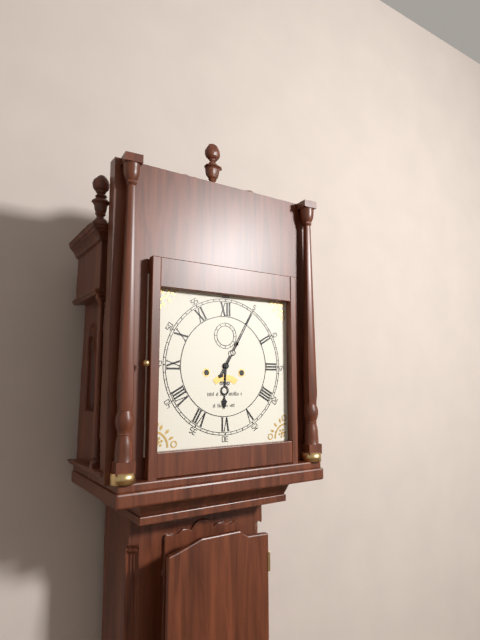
h=6 m=5
